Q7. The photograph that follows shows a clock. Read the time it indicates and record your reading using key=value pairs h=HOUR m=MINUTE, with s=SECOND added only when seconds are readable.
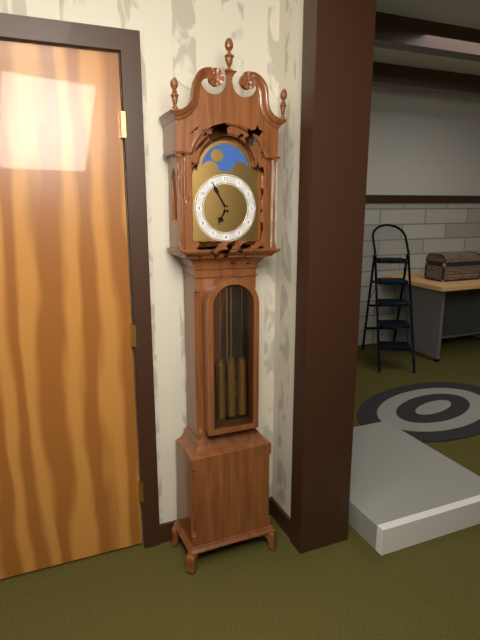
h=6 m=55
